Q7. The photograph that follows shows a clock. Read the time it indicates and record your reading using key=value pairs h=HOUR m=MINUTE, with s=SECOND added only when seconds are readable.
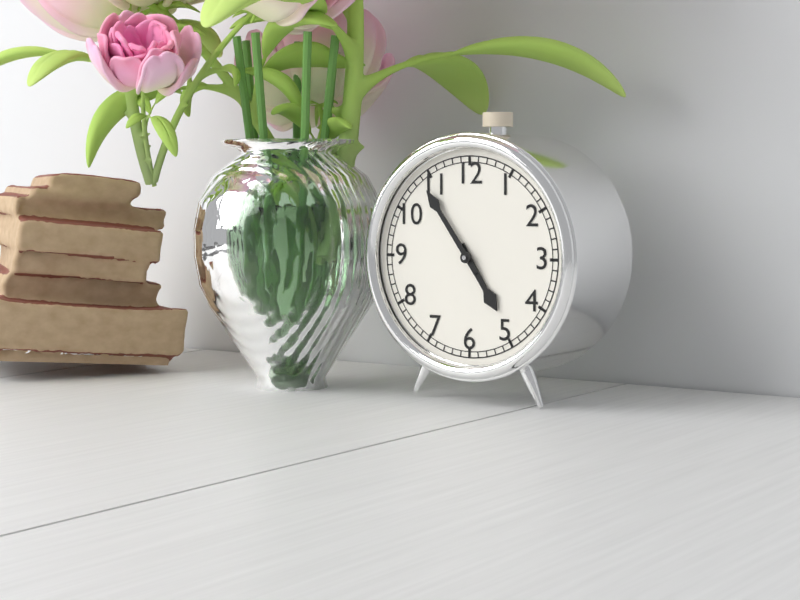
h=4 m=54
